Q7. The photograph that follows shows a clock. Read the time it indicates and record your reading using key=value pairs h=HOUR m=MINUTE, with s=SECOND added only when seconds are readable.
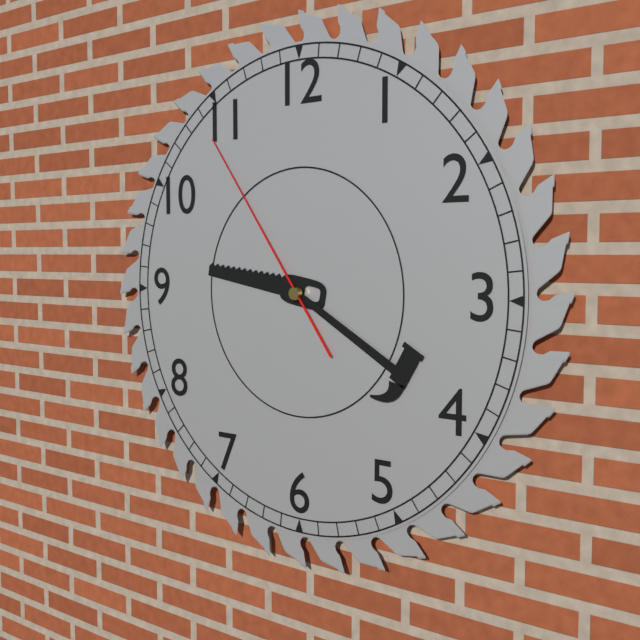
h=9 m=20 s=54
